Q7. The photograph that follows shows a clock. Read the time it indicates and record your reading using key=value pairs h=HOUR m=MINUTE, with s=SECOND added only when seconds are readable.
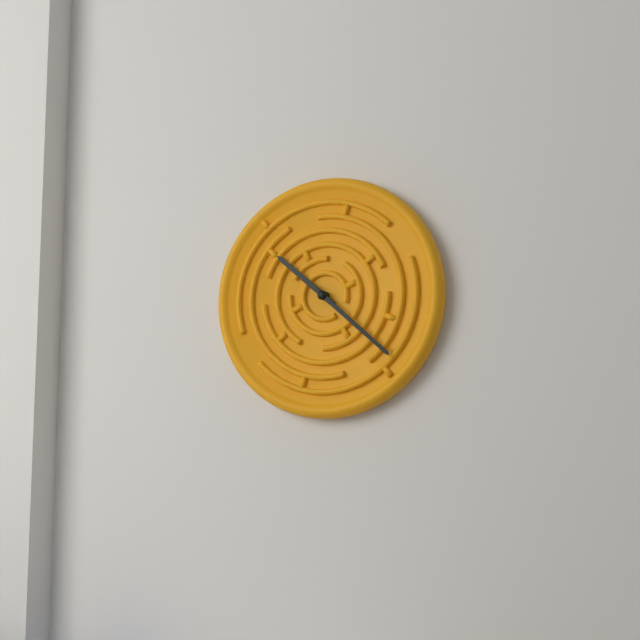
h=10 m=22
